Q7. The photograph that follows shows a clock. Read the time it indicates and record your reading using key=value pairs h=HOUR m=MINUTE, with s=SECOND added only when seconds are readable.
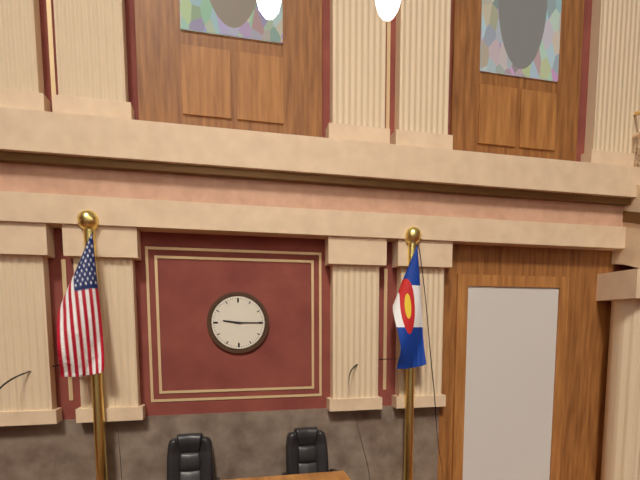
h=9 m=15
